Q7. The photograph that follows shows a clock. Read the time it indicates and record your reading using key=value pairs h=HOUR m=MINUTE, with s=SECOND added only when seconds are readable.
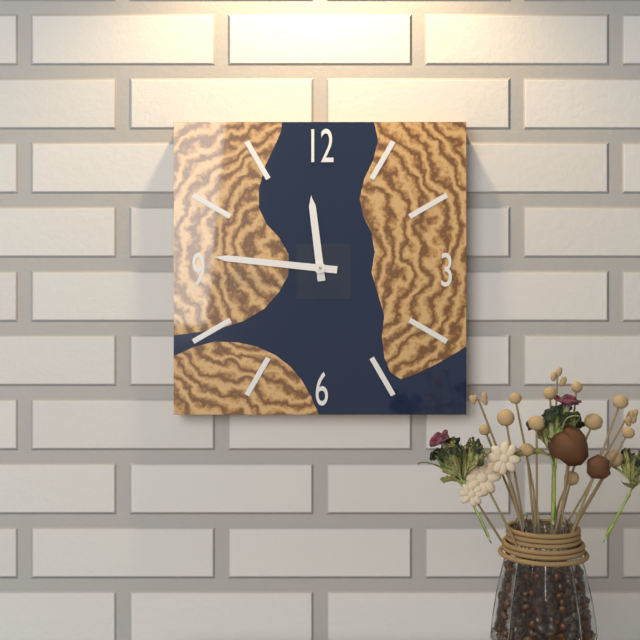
h=11 m=46
